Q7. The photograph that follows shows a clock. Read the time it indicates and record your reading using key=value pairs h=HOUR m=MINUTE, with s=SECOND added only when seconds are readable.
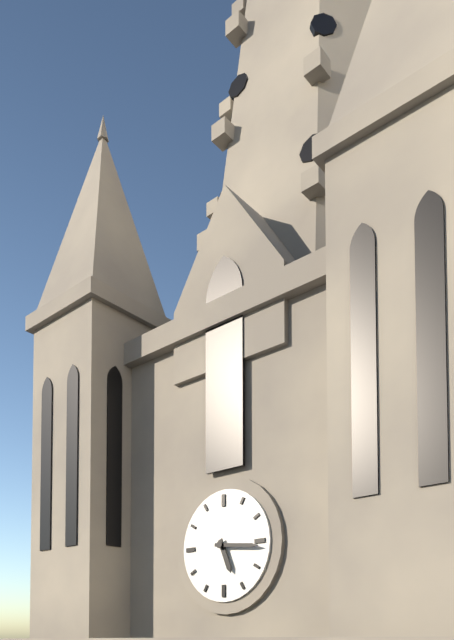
h=5 m=16
